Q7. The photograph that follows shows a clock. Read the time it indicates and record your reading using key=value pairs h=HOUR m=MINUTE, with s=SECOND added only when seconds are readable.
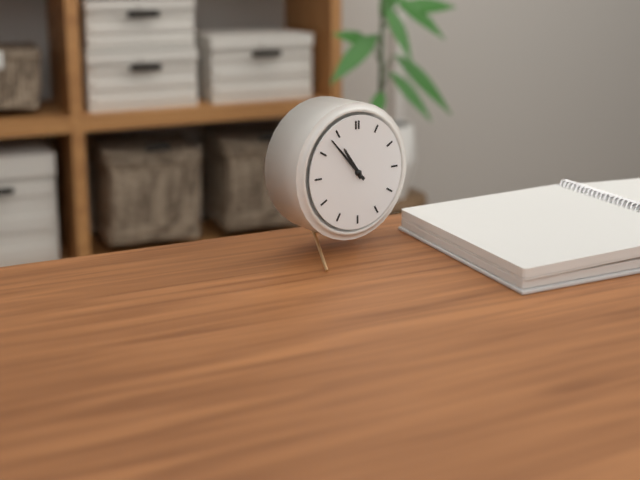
h=10 m=53
